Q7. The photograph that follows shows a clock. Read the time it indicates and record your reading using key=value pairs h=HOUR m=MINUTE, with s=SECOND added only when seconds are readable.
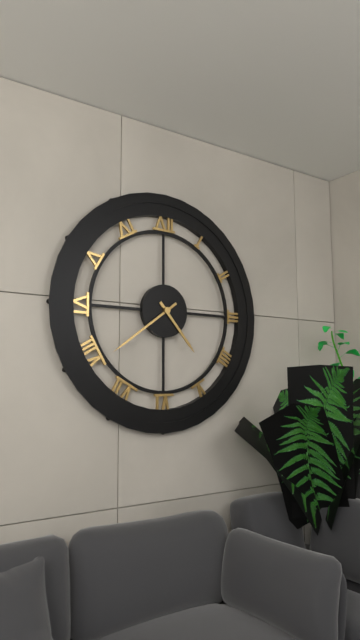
h=4 m=39
